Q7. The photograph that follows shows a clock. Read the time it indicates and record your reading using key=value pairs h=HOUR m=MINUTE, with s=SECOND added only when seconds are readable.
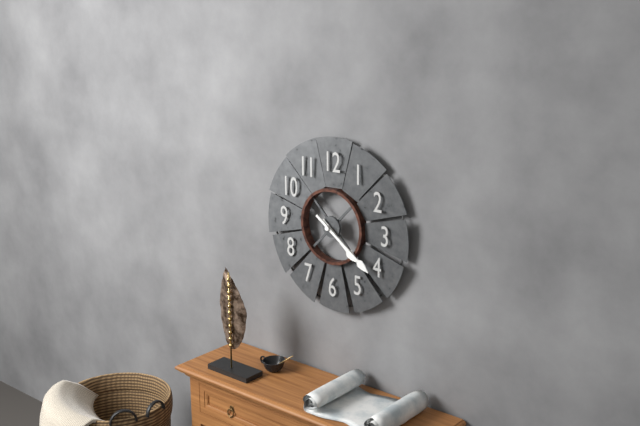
h=4 m=21
